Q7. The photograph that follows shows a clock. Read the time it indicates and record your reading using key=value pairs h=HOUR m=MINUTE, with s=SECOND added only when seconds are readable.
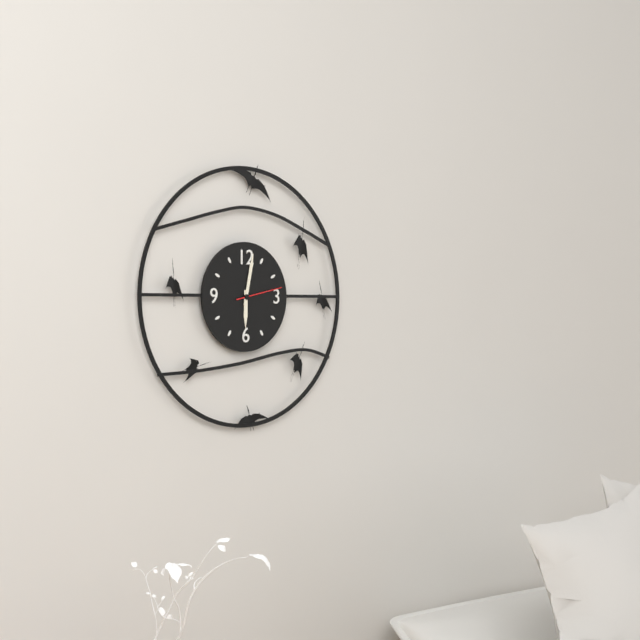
h=6 m=2
